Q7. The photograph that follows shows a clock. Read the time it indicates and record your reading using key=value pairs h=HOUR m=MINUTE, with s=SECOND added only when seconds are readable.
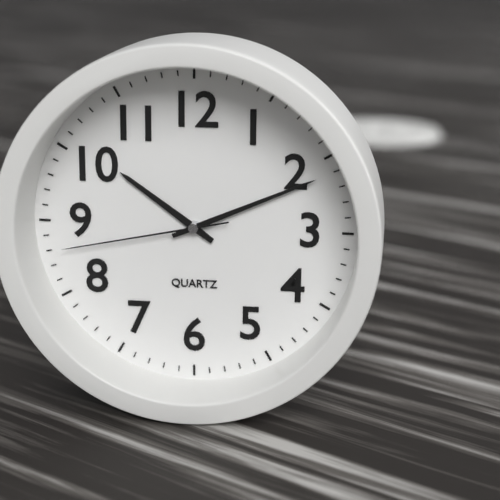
h=10 m=11 s=43
